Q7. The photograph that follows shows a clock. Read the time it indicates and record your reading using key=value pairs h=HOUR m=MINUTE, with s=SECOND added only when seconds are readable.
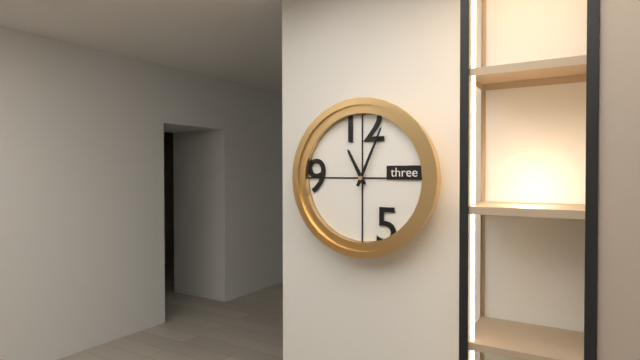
h=11 m=4
